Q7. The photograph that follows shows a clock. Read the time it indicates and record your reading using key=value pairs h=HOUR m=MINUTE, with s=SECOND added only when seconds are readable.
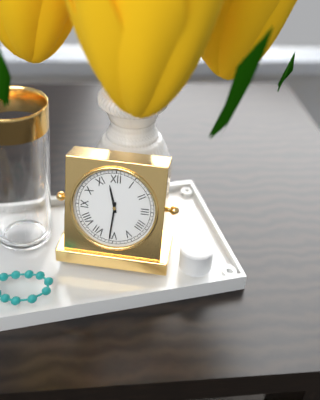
h=11 m=31
